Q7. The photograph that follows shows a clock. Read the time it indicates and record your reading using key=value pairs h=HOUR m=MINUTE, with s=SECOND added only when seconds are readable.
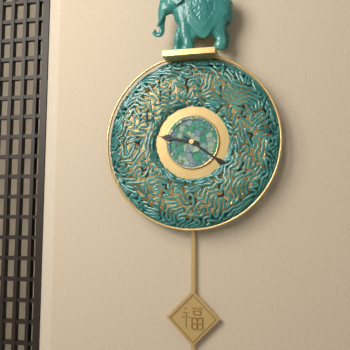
h=9 m=21
